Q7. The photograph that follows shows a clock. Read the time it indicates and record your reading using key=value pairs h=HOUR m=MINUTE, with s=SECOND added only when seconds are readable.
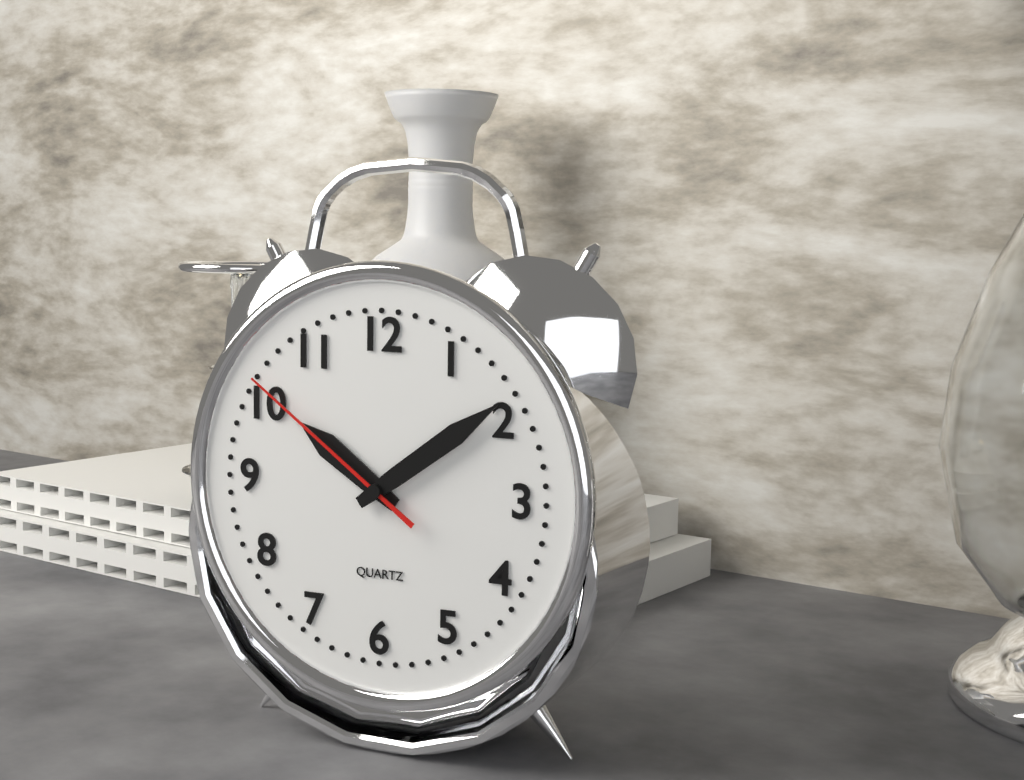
h=10 m=9 s=51
